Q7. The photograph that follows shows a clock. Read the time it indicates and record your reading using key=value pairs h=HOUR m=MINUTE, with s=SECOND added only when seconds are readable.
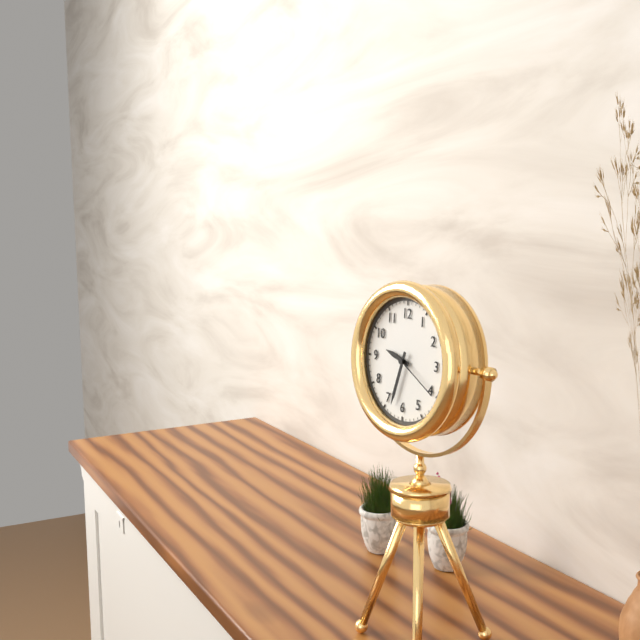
h=9 m=33 s=20
